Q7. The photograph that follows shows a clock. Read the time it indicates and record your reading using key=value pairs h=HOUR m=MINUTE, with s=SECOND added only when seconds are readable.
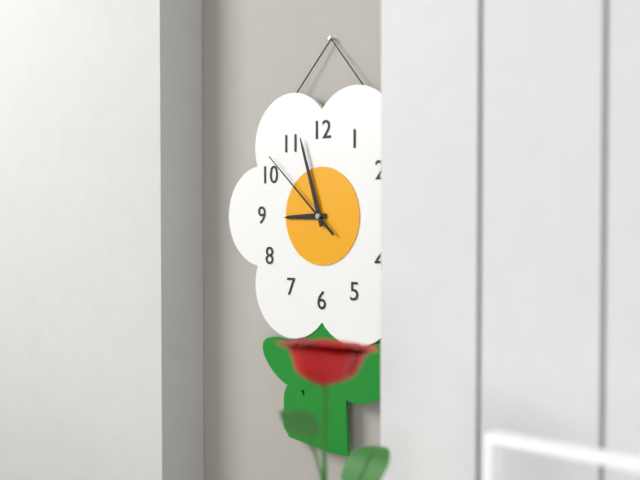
h=8 m=57 s=52
